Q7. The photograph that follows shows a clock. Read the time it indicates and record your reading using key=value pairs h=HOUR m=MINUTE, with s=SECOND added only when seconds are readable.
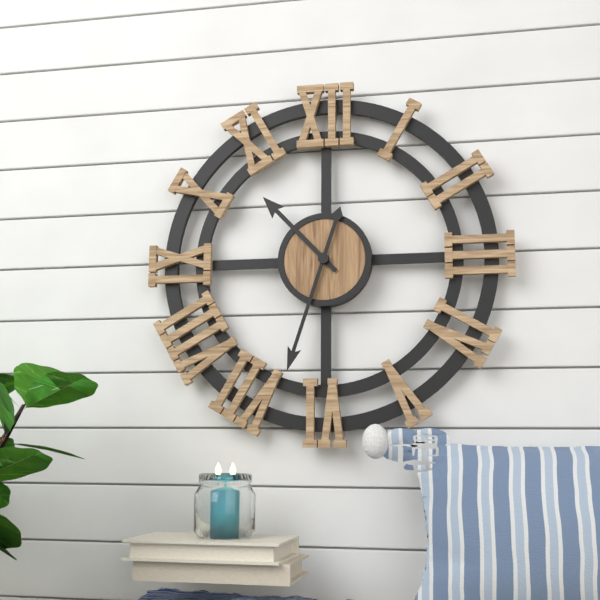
h=10 m=33
